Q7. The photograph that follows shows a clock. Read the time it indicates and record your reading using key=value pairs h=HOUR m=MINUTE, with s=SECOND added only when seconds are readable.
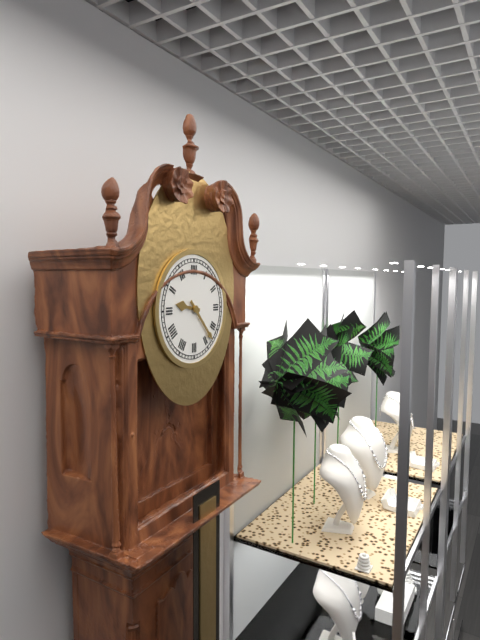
h=9 m=23
